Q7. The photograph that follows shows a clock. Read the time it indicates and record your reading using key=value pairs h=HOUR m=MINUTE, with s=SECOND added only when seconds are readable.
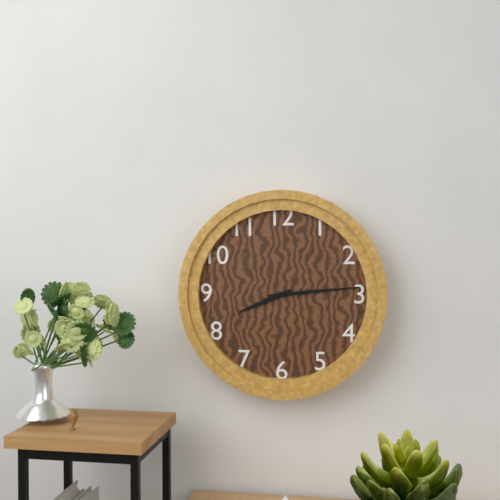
h=8 m=14
